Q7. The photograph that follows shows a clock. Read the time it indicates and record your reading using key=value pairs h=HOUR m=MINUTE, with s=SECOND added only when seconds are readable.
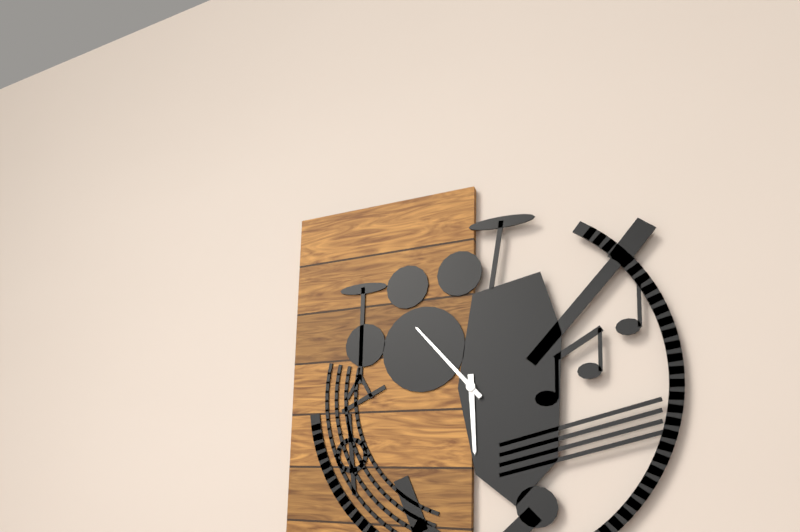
h=5 m=53
